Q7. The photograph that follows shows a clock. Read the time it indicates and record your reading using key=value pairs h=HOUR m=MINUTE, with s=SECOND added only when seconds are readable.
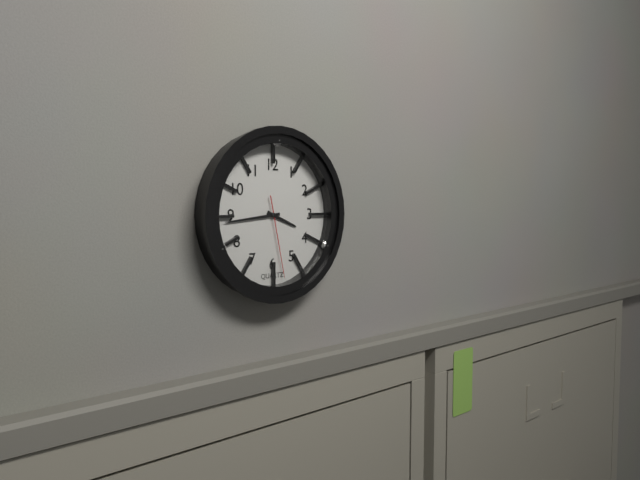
h=3 m=44 s=28
